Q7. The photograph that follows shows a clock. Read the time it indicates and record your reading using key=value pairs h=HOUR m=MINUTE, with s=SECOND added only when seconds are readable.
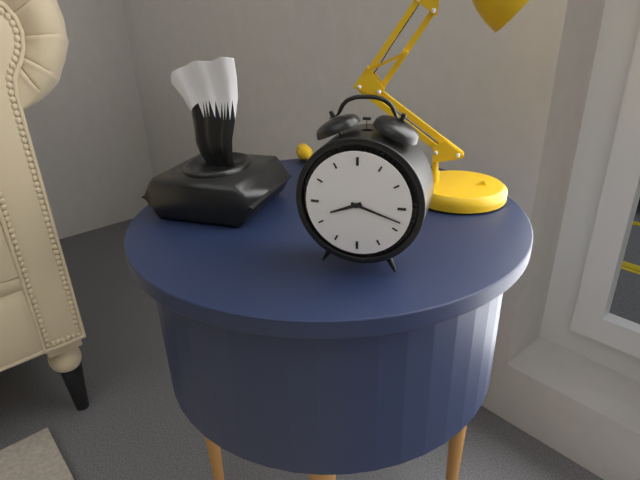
h=8 m=18
